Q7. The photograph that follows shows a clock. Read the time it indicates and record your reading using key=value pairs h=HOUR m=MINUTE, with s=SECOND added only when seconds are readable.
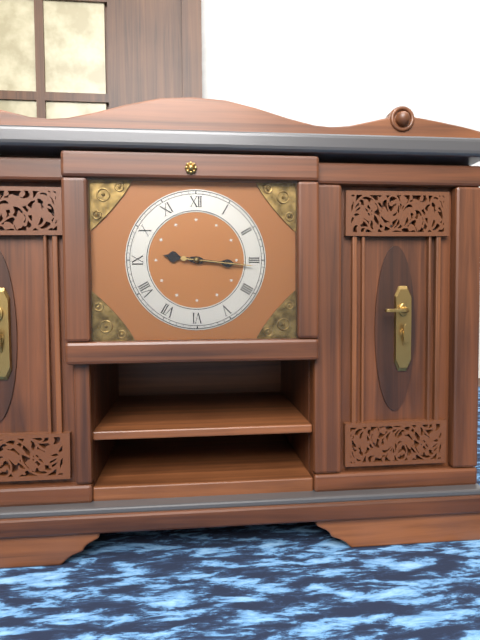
h=9 m=16 s=16
